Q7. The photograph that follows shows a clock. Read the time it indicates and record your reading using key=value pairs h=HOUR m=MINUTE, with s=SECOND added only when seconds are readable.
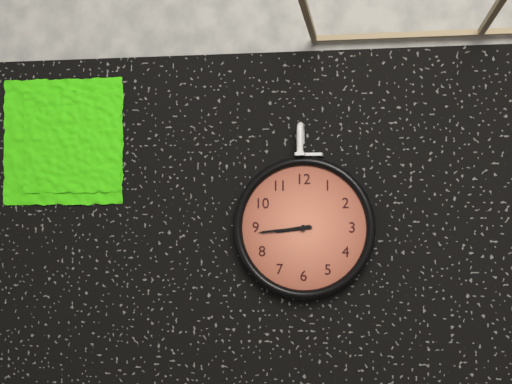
h=8 m=44
